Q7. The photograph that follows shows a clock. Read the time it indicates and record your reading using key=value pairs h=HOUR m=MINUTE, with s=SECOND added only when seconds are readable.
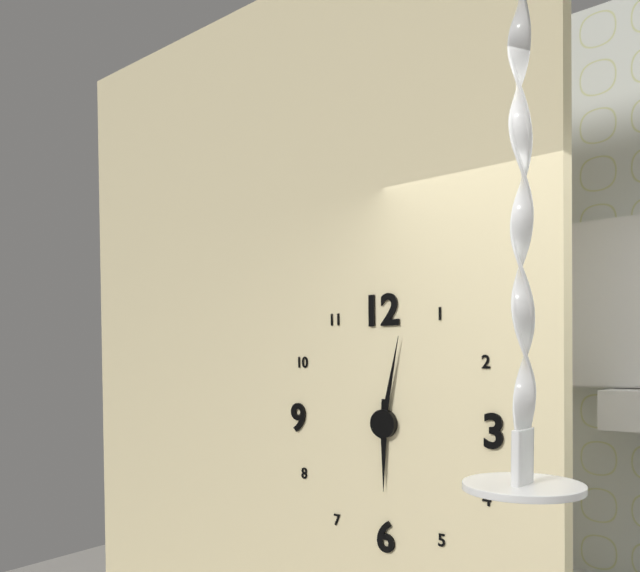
h=6 m=2
